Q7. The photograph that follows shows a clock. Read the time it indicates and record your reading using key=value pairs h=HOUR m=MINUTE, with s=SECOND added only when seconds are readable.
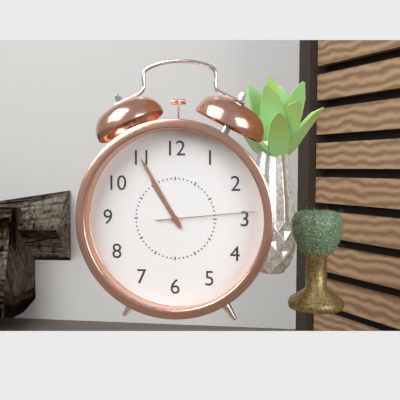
h=10 m=55 s=14
